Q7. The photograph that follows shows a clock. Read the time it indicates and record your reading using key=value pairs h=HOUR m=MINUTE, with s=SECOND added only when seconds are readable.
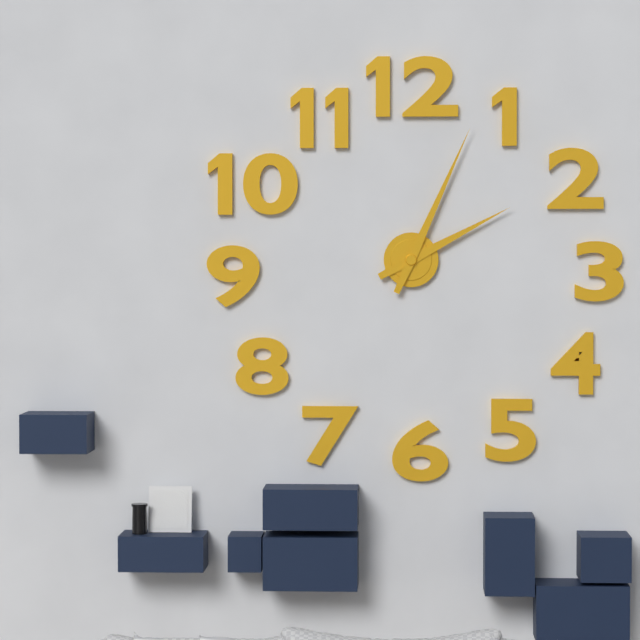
h=2 m=4
